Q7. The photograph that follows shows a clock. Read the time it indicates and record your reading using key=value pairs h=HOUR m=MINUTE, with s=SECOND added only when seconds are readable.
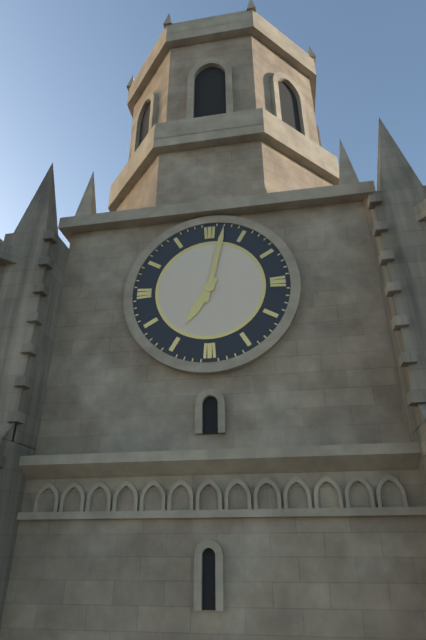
h=7 m=2
